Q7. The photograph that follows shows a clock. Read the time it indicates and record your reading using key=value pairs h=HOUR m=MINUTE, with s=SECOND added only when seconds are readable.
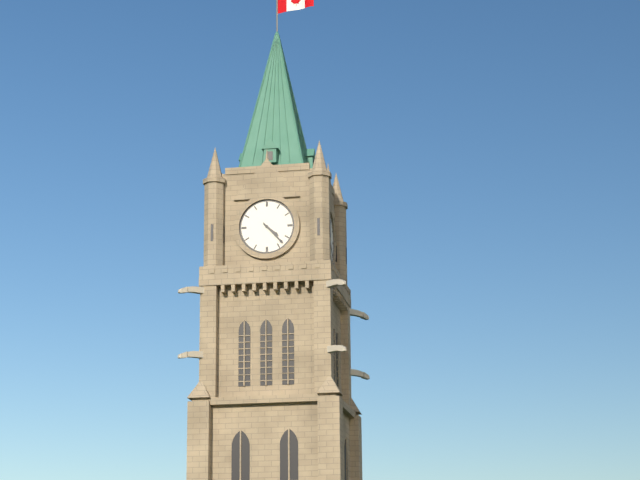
h=4 m=23
